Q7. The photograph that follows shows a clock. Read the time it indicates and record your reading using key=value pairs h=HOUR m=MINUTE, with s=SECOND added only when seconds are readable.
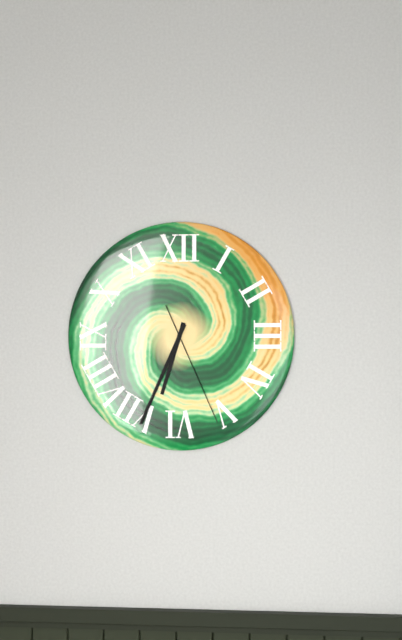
h=6 m=34 s=26
